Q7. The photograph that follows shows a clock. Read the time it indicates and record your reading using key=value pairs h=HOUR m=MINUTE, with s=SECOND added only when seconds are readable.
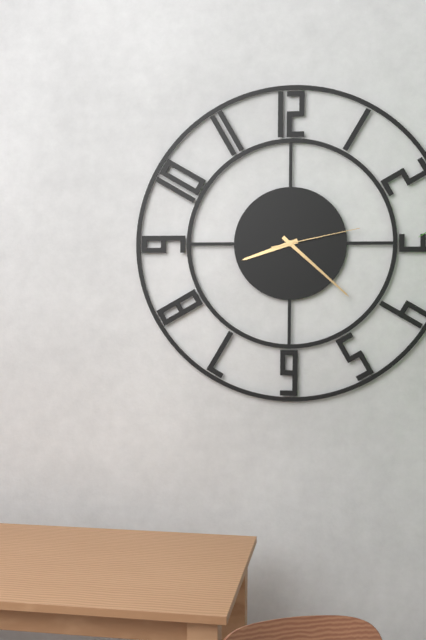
h=8 m=22 s=13
